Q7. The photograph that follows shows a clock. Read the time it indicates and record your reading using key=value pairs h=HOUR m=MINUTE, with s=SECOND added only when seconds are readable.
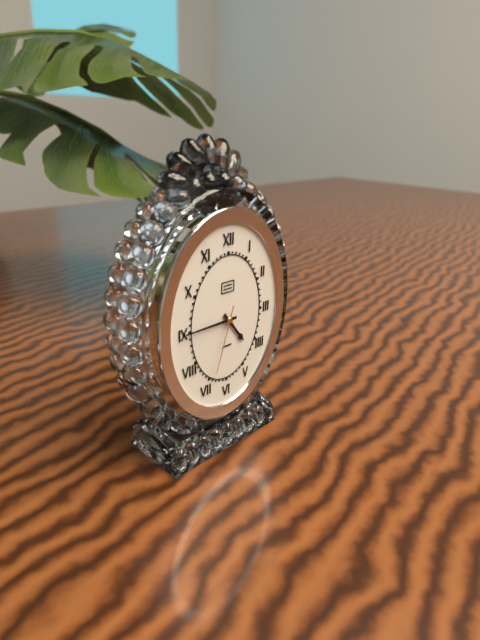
h=4 m=45 s=33
